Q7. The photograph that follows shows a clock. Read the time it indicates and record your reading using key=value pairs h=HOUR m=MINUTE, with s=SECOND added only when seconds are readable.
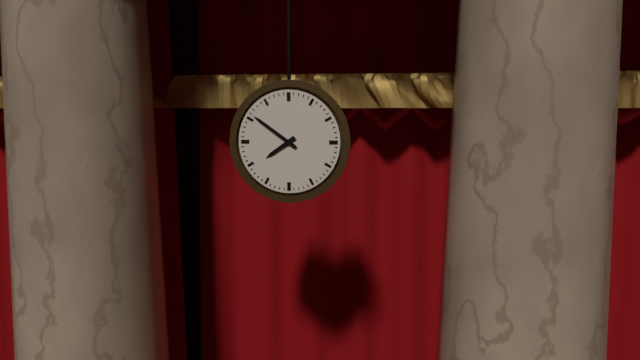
h=7 m=51
